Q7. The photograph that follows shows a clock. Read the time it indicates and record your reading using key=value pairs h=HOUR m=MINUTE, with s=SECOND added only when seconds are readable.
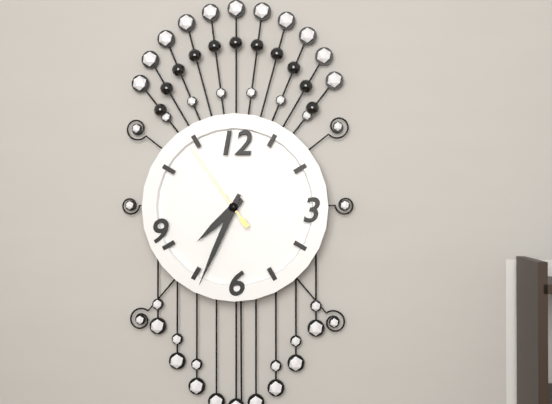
h=7 m=34 s=54
